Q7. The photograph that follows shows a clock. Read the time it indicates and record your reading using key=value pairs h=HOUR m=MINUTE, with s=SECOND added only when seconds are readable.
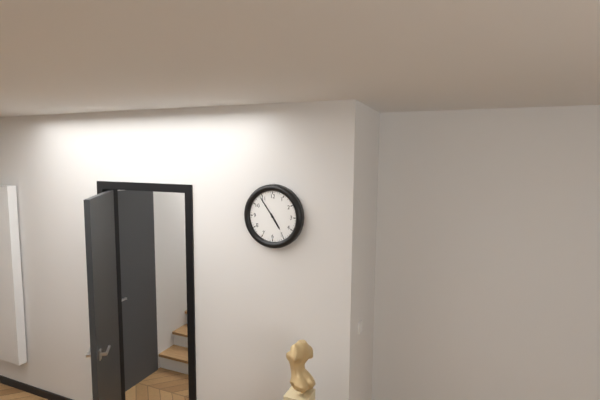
h=4 m=54
